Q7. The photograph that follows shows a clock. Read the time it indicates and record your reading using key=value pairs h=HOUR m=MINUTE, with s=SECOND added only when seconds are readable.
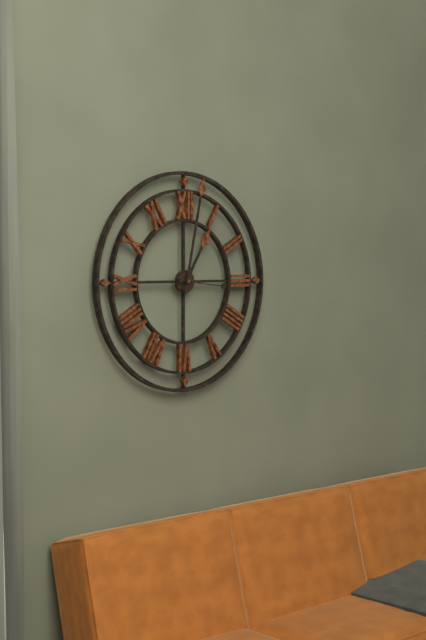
h=1 m=2 s=16
